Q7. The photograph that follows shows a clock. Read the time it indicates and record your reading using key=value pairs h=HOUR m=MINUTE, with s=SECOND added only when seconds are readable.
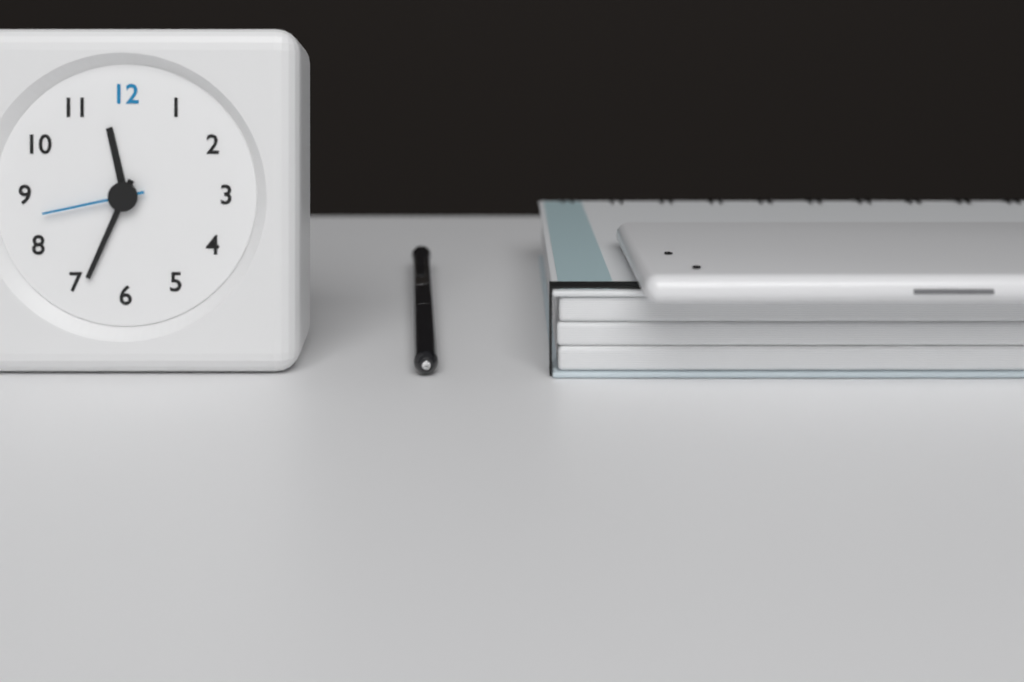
h=11 m=34 s=43
